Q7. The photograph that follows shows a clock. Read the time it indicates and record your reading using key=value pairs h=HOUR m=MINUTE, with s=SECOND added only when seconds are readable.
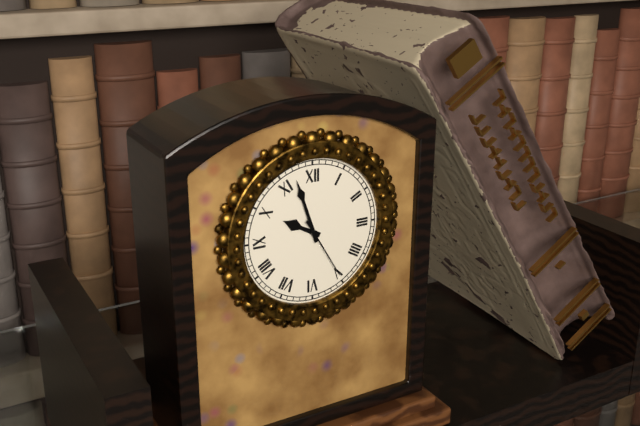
h=9 m=57 s=25
